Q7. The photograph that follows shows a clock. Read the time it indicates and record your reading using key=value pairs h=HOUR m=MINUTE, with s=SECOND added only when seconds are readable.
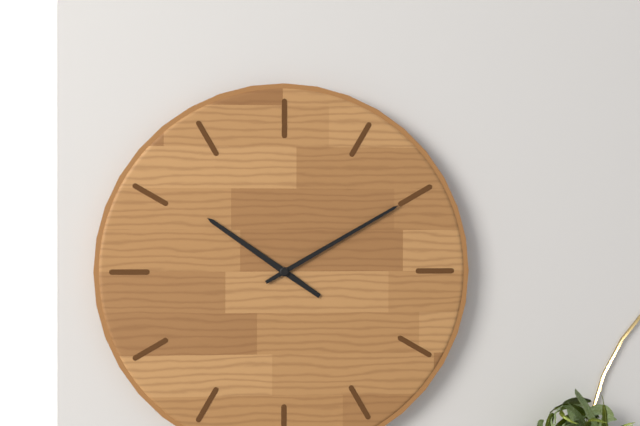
h=10 m=10
